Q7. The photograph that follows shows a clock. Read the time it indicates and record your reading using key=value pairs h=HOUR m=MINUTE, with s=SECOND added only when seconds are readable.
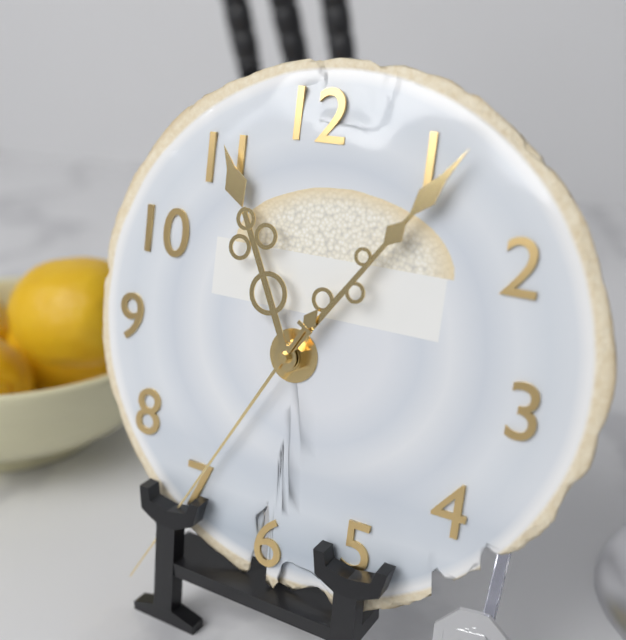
h=11 m=6 s=35
